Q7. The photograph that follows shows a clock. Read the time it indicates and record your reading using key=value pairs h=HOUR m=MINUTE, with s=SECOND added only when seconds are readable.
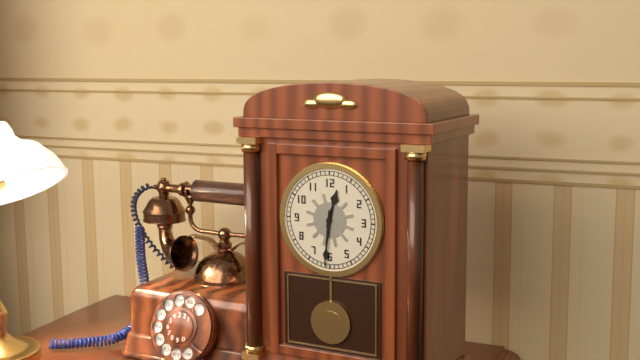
h=12 m=31
